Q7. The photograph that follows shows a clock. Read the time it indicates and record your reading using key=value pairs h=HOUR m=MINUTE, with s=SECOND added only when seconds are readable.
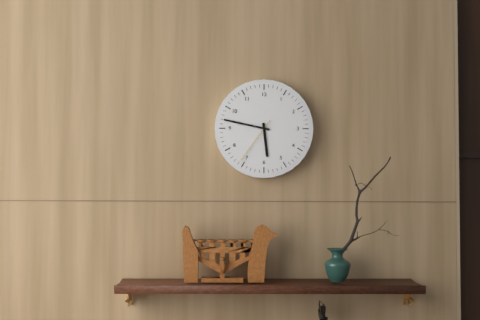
h=5 m=47
